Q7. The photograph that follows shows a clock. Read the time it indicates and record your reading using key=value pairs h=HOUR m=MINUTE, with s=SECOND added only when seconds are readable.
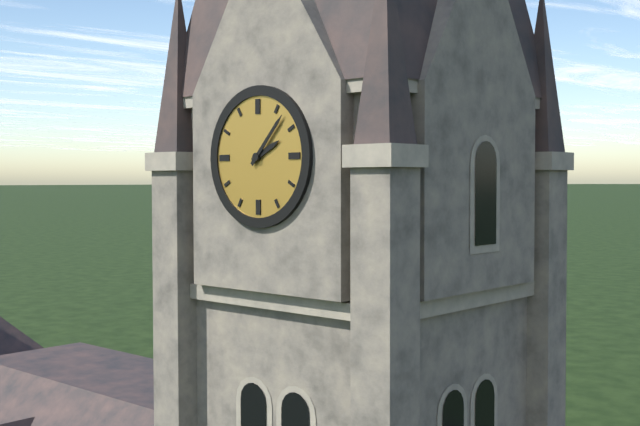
h=2 m=7
